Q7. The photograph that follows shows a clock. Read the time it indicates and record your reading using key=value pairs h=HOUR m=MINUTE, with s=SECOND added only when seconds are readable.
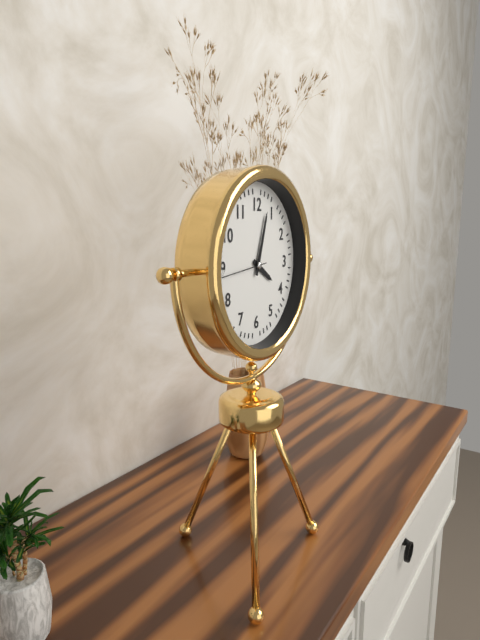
h=4 m=3 s=44
